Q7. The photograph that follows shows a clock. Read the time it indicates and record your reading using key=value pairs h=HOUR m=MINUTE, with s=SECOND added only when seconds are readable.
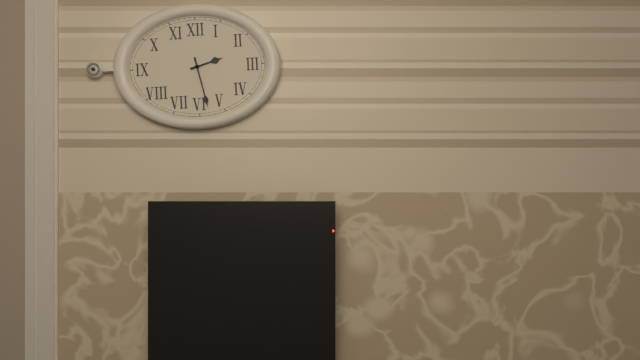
h=2 m=28
